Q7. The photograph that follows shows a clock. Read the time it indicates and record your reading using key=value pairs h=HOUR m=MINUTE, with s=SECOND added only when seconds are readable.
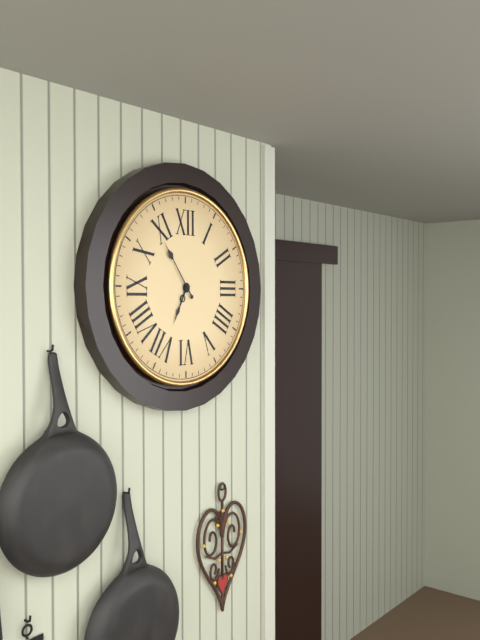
h=6 m=54
